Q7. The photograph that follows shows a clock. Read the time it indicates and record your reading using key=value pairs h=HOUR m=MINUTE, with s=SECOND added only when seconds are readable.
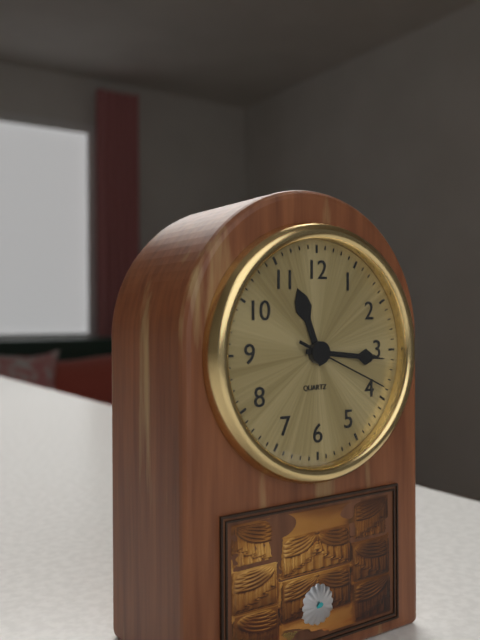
h=11 m=16 s=19
